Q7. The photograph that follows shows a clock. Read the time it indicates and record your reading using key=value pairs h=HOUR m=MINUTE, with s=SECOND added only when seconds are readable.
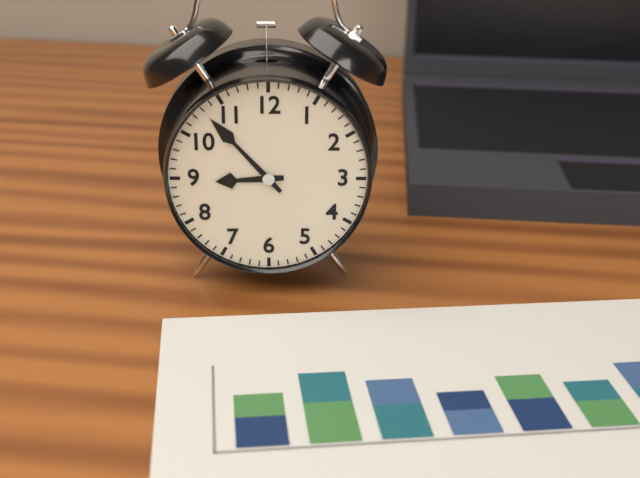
h=8 m=53
